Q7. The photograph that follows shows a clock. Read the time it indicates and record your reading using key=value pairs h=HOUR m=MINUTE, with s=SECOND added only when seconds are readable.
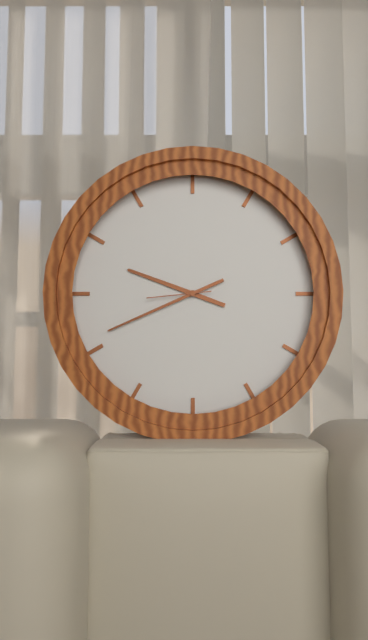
h=9 m=41 s=44
